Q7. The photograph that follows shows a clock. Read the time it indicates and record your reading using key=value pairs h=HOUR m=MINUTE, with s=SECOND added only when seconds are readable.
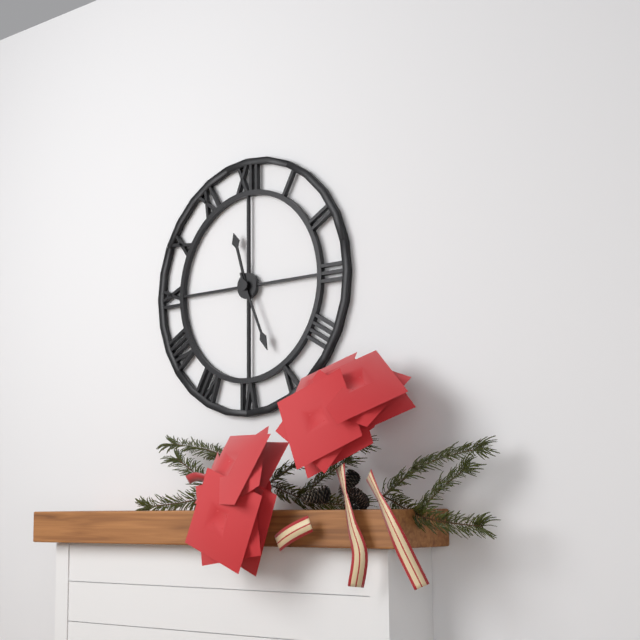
h=11 m=26
